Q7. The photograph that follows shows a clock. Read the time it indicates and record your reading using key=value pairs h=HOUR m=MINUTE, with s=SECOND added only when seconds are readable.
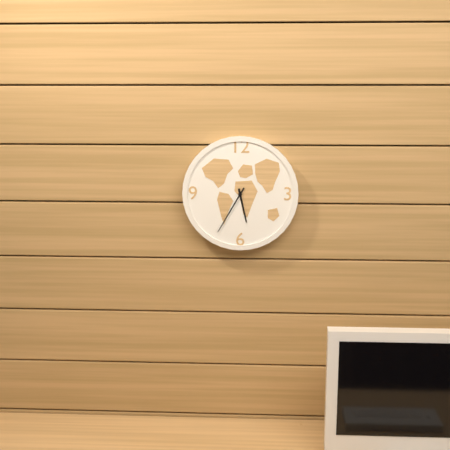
h=5 m=35
